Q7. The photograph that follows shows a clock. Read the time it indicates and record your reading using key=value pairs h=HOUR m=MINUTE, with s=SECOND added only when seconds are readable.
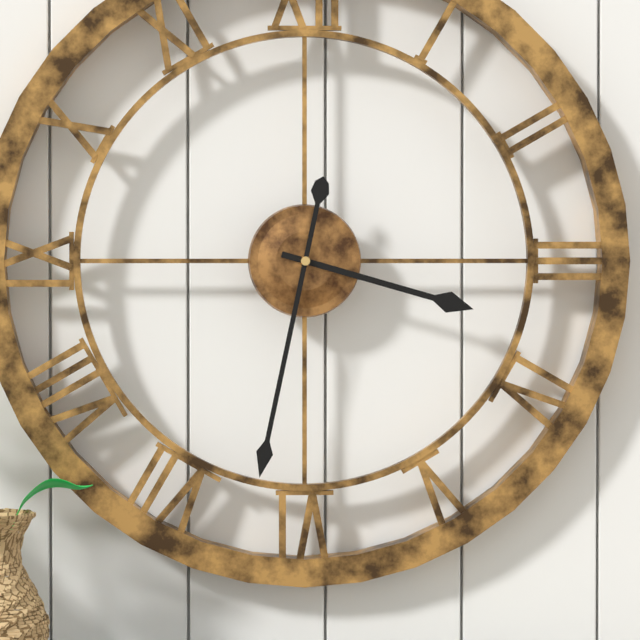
h=3 m=32
